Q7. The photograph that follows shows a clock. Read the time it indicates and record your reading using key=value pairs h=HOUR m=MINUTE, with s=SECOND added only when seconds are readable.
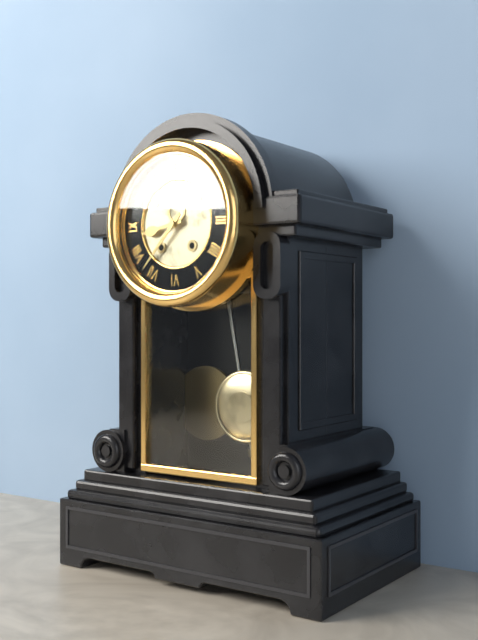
h=8 m=37
